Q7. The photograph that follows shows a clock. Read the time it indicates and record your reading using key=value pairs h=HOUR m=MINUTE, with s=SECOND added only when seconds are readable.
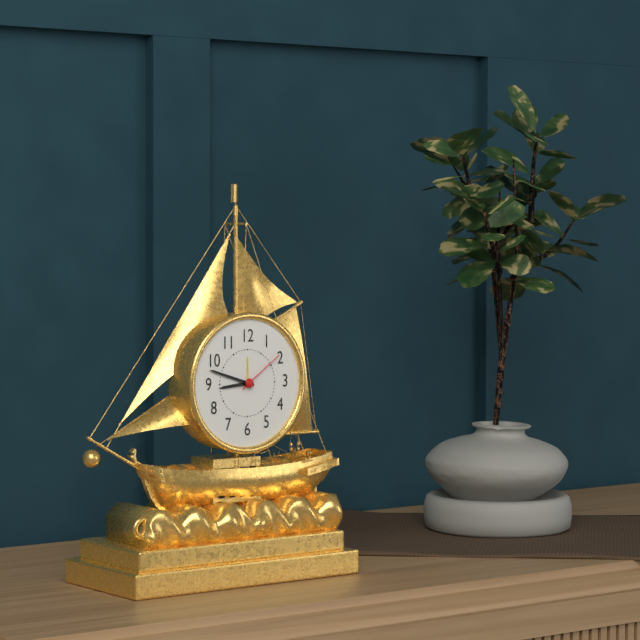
h=8 m=48 s=9
